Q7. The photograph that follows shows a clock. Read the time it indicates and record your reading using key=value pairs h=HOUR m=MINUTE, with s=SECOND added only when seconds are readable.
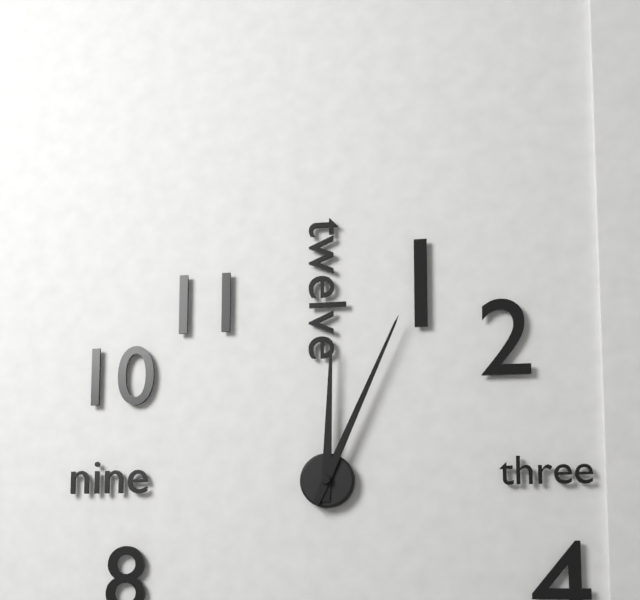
h=12 m=4
